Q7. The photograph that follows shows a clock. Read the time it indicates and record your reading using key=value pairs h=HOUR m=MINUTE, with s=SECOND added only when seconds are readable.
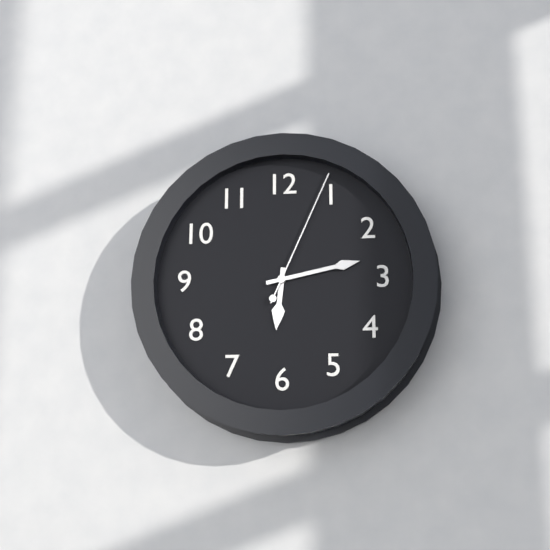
h=6 m=13 s=4
